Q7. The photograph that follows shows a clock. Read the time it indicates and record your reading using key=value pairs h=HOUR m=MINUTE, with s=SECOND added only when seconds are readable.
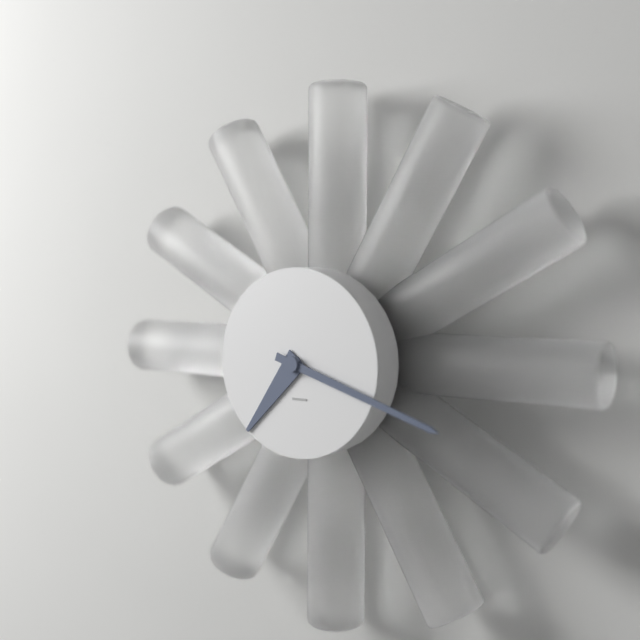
h=7 m=18
